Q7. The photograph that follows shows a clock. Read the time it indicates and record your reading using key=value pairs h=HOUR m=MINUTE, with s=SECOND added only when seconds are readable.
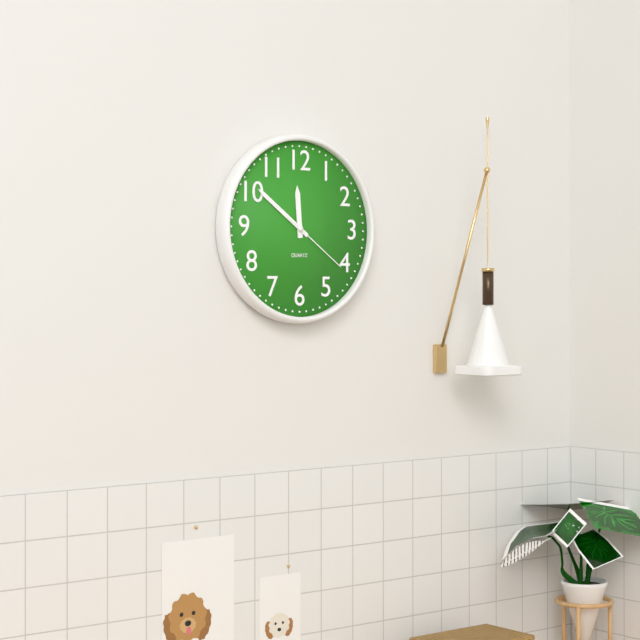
h=11 m=51 s=21
